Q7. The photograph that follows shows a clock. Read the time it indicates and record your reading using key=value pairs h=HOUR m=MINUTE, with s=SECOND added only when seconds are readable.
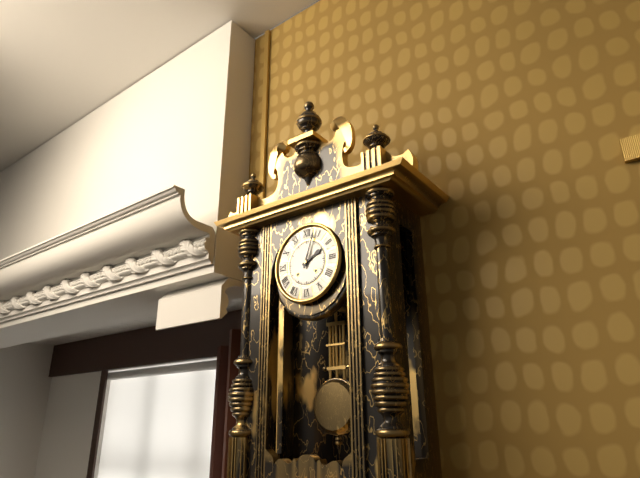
h=2 m=3
